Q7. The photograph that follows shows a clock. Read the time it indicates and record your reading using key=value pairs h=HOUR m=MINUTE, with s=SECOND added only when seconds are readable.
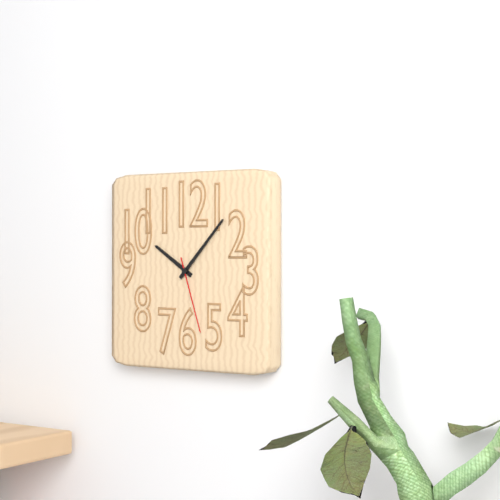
h=10 m=7 s=27
